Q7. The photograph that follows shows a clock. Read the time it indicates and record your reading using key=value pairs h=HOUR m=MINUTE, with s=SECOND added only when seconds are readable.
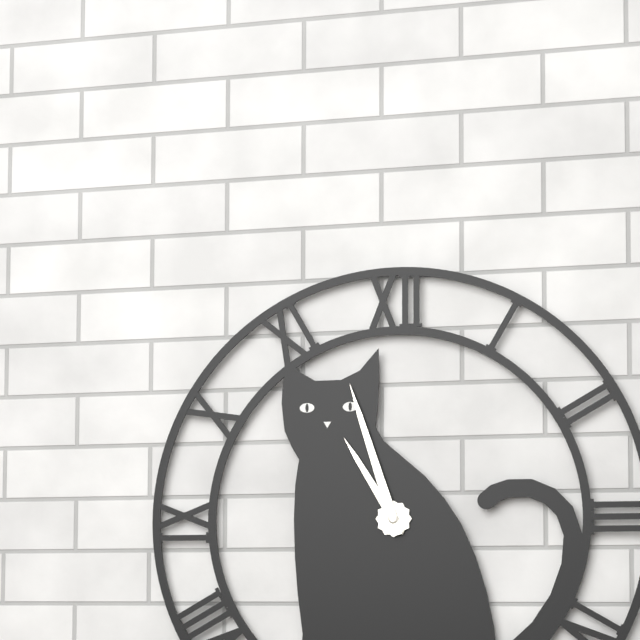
h=10 m=57
